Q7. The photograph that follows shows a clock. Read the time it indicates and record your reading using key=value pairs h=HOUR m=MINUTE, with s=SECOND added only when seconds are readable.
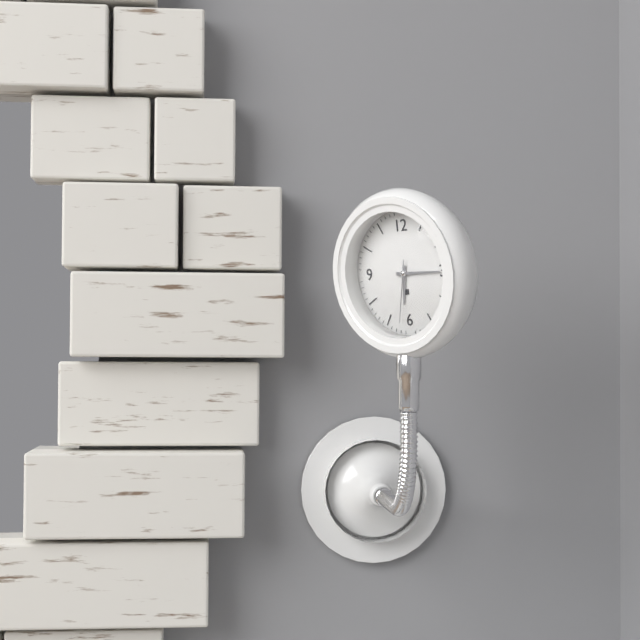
h=6 m=15 s=32
